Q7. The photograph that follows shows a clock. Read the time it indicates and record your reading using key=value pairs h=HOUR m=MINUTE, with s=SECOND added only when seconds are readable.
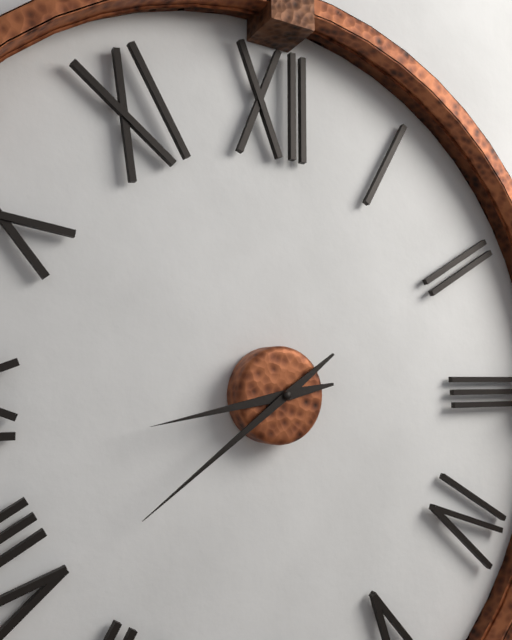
h=8 m=39
